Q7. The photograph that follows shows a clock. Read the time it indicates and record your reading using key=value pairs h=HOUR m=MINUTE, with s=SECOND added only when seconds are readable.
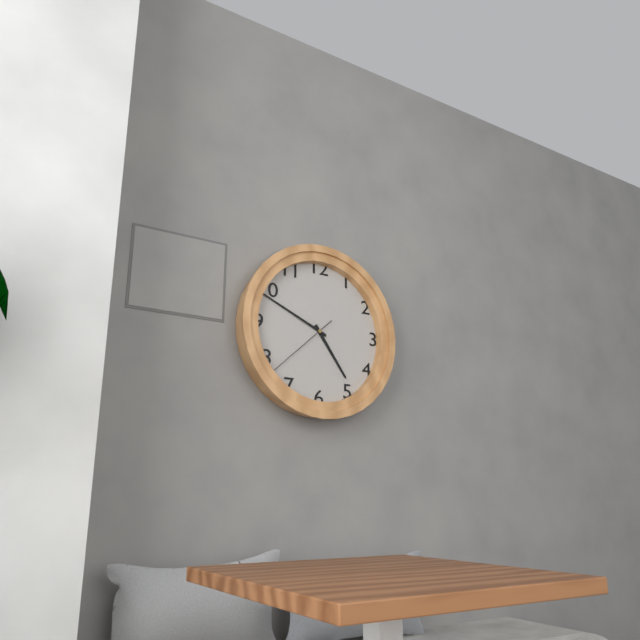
h=4 m=49 s=38
